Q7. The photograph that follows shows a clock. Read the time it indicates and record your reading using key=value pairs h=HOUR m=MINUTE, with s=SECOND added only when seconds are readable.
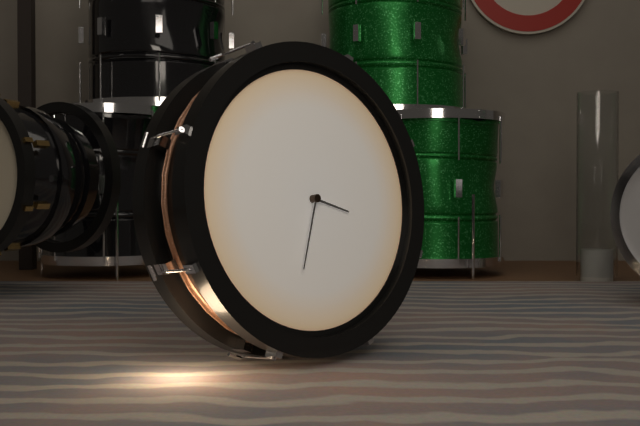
h=3 m=33
